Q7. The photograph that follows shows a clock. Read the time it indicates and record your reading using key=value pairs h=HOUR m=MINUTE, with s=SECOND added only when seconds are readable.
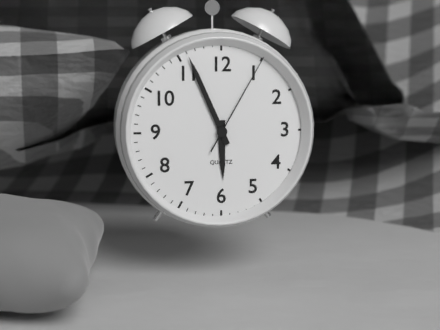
h=5 m=56 s=5
